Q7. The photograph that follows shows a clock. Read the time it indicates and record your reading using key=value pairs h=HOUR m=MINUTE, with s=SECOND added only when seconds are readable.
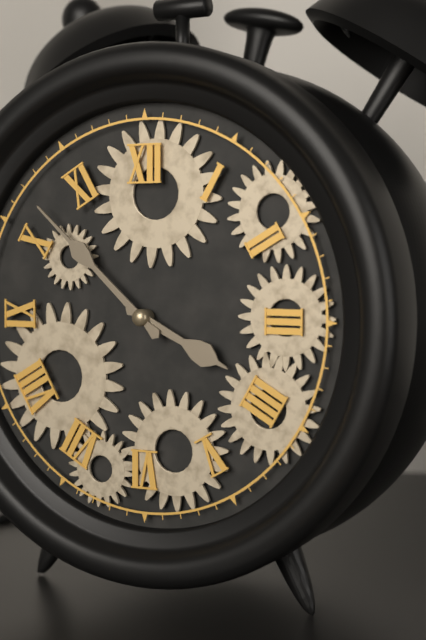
h=3 m=52
